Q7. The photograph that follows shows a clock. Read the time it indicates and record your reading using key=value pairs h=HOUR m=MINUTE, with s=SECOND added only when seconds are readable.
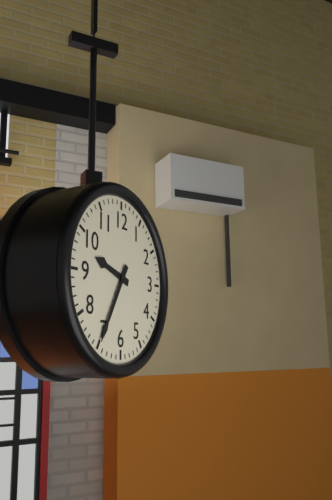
h=9 m=35
